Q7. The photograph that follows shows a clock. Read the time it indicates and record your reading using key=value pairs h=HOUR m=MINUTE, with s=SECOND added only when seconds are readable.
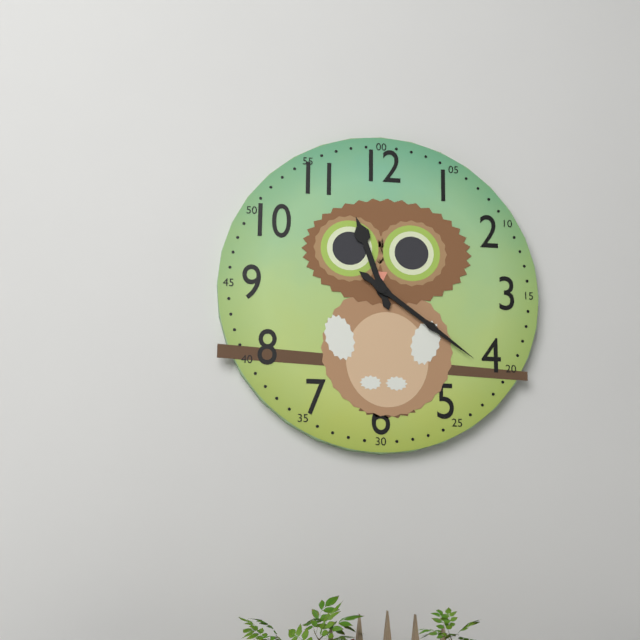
h=11 m=21
